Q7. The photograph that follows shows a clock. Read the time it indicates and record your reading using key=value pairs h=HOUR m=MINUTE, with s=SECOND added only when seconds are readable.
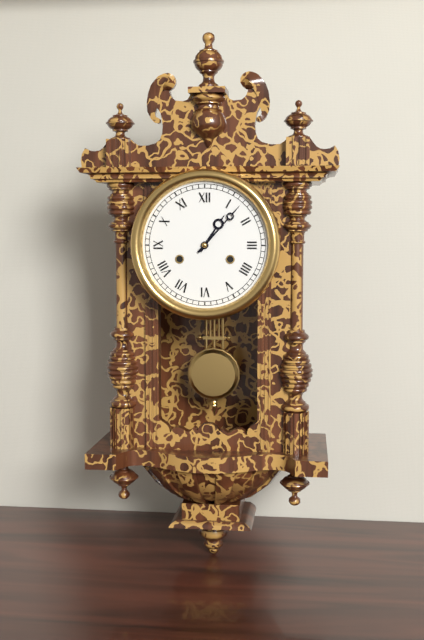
h=1 m=7
